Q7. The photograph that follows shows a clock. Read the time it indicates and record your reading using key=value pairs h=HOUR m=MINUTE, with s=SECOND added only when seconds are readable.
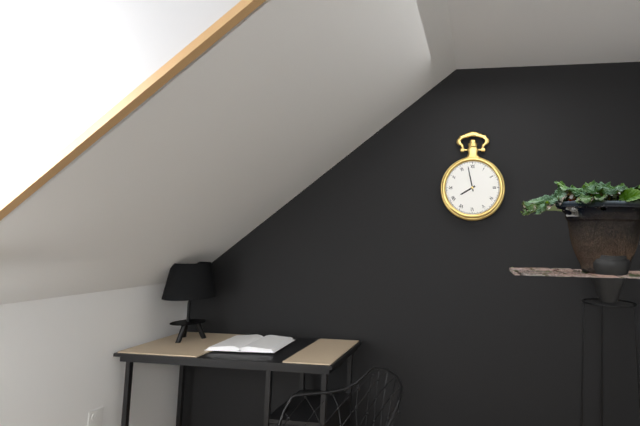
h=7 m=58
